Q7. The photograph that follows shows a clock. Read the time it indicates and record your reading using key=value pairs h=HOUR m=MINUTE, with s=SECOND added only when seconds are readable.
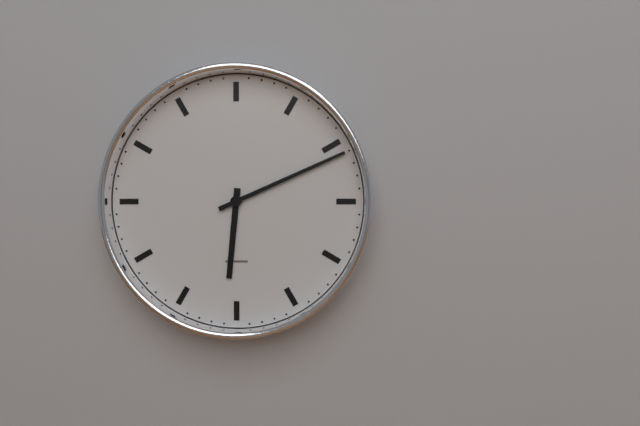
h=6 m=11
